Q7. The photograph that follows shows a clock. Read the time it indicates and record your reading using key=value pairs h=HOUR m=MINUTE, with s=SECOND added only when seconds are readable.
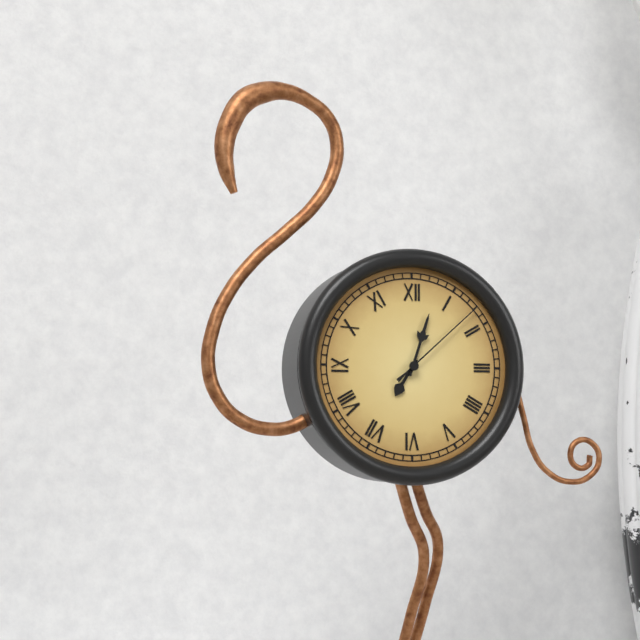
h=7 m=3 s=8
